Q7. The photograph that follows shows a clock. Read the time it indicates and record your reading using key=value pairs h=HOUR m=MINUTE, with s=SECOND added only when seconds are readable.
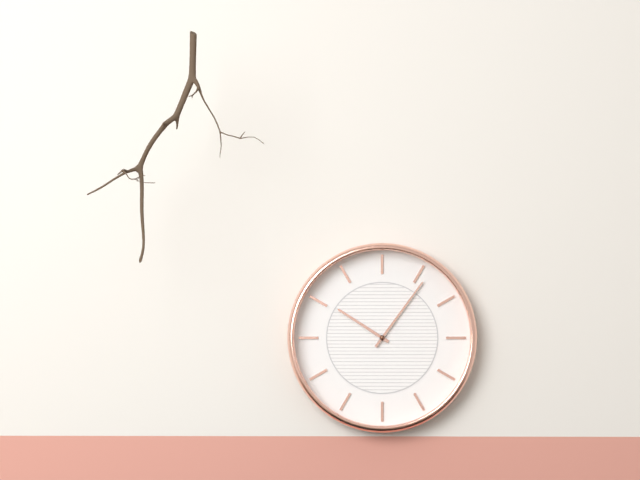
h=10 m=6
